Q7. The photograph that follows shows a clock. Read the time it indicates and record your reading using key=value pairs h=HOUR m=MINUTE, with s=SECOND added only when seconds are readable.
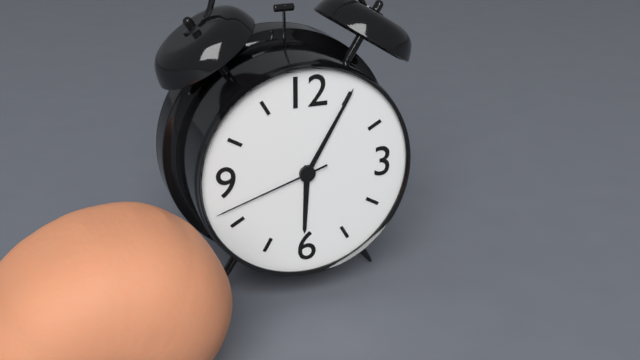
h=6 m=5 s=42
